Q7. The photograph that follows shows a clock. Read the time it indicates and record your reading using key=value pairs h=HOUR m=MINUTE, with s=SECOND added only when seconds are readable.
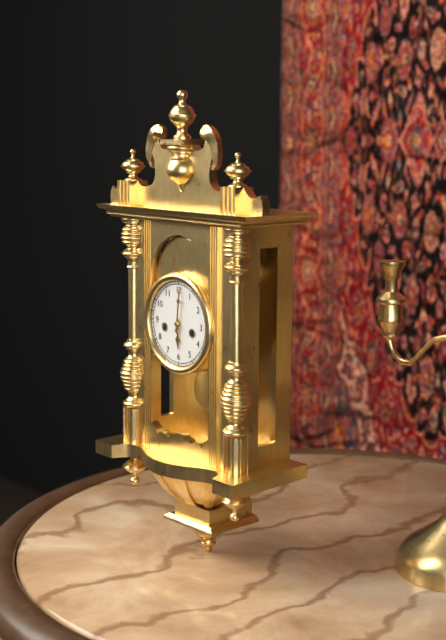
h=6 m=1
